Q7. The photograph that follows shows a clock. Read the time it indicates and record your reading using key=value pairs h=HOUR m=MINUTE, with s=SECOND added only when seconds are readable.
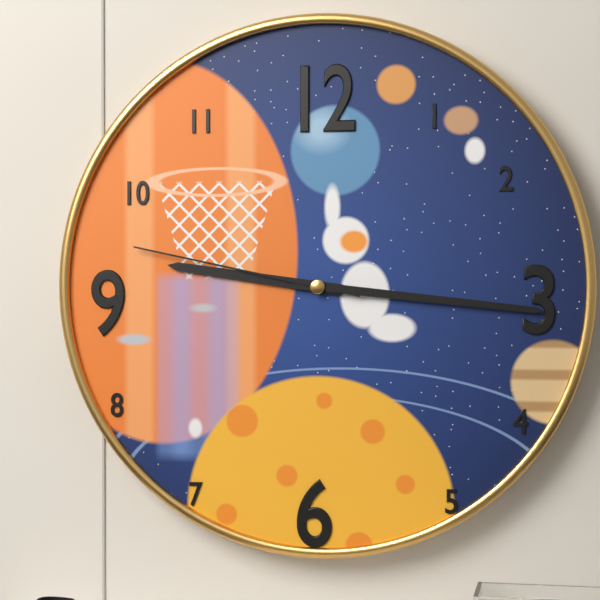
h=9 m=16 s=47
